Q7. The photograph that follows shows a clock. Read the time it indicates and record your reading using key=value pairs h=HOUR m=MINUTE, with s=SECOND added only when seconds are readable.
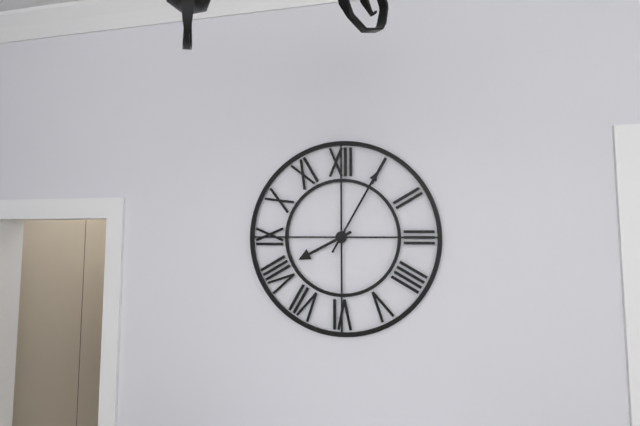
h=8 m=5
